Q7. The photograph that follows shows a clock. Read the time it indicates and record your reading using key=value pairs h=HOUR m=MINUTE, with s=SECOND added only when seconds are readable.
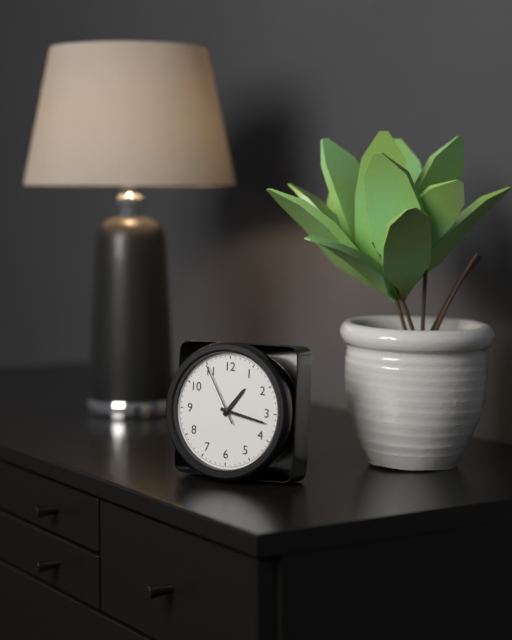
h=1 m=17 s=55
